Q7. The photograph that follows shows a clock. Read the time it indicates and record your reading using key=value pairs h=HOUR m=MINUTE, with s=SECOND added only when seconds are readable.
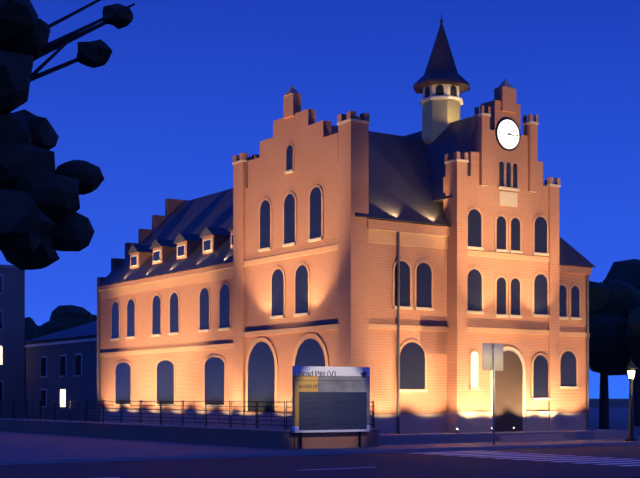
h=3 m=10
